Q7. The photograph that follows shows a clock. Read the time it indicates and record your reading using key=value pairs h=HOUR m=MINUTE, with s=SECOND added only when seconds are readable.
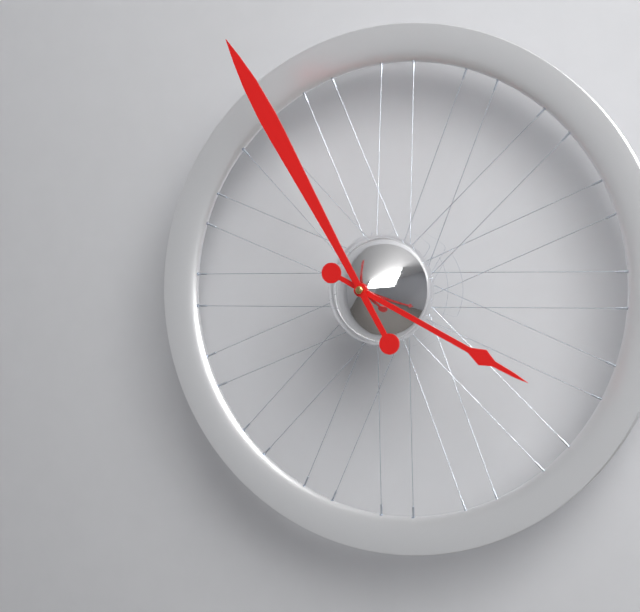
h=3 m=55
